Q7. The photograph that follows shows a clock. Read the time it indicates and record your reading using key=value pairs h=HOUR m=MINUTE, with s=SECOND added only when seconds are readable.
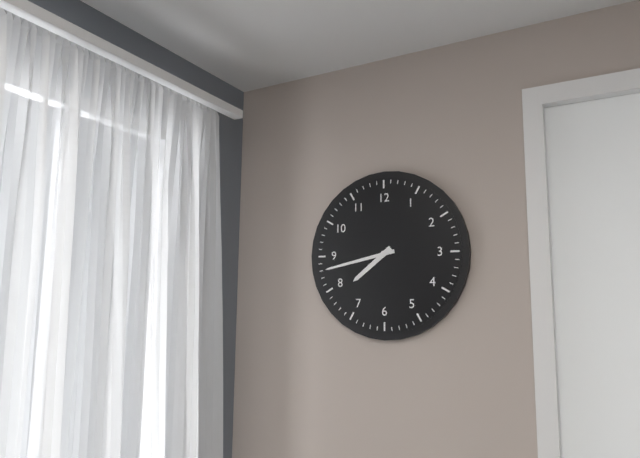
h=7 m=43
